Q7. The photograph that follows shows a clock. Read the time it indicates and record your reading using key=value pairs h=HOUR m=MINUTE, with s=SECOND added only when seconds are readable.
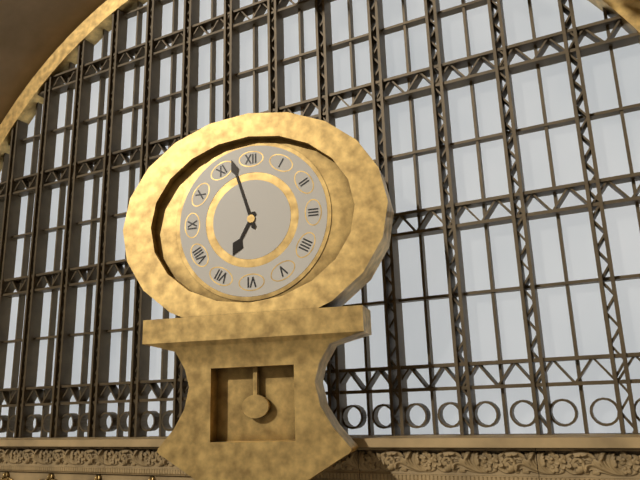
h=6 m=57
